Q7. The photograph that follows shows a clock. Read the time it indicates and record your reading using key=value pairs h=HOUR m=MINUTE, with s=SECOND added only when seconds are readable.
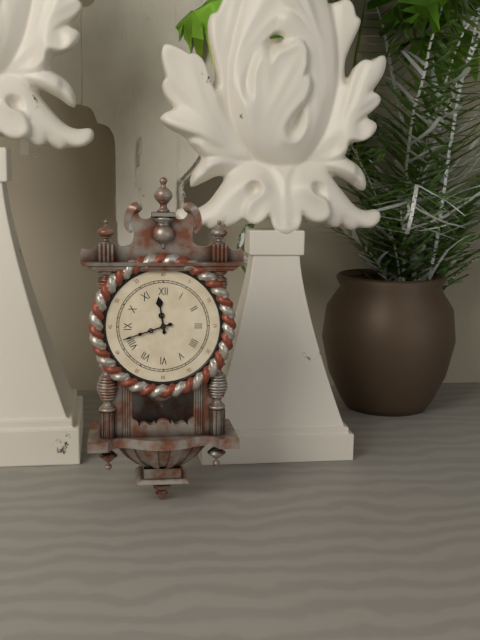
h=11 m=42
